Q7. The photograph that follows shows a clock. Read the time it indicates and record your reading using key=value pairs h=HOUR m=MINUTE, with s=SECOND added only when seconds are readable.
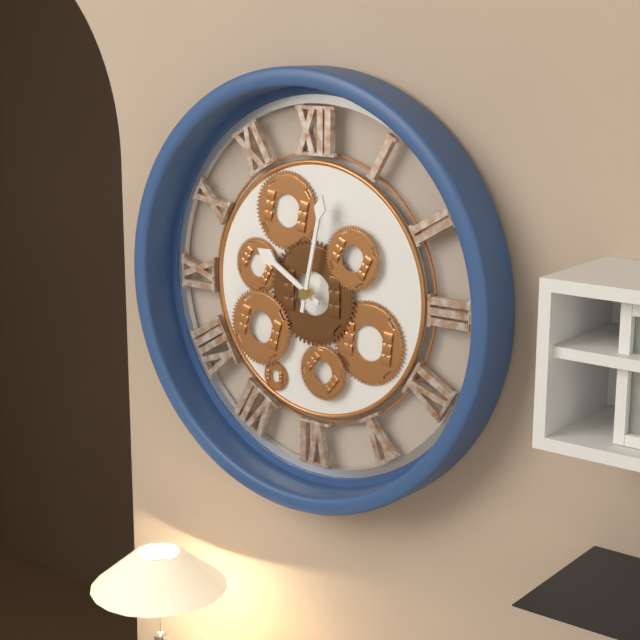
h=10 m=2
